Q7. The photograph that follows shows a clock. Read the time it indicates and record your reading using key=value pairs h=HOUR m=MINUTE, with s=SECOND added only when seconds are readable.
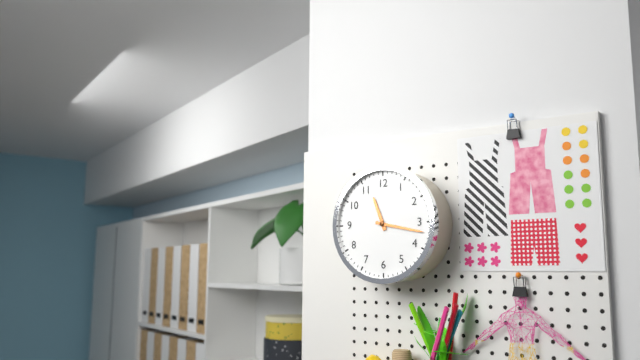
h=11 m=17
